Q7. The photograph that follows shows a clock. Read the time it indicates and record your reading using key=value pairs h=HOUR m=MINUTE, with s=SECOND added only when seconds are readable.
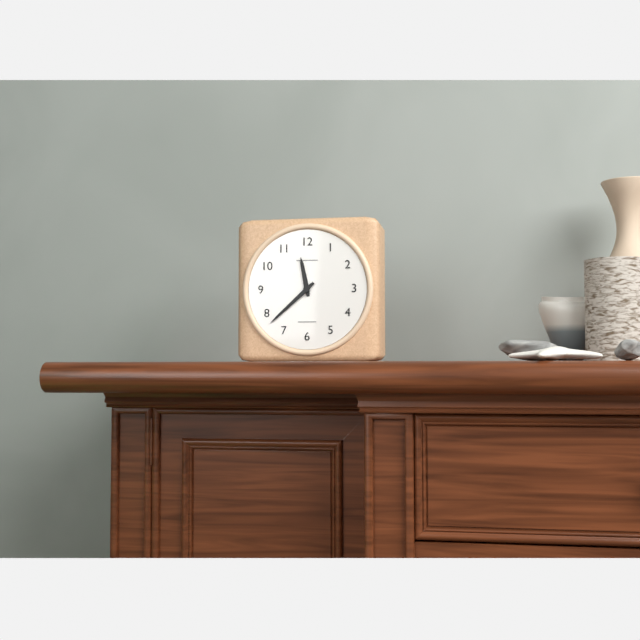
h=11 m=38
